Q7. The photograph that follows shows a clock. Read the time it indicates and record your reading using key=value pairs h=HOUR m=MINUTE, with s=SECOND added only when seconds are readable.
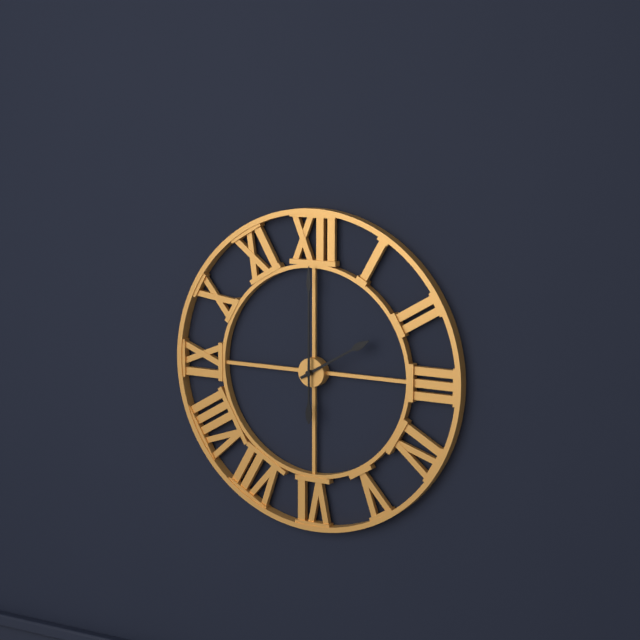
h=2 m=0
